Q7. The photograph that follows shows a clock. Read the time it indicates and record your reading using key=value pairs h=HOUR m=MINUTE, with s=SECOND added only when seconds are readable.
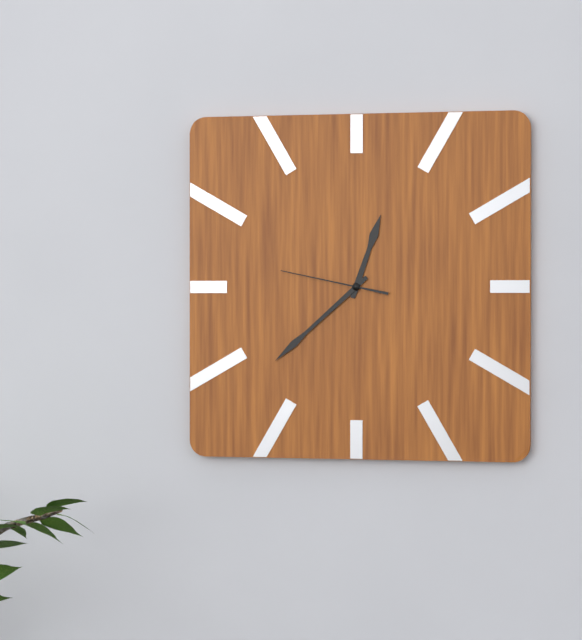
h=12 m=38 s=47
